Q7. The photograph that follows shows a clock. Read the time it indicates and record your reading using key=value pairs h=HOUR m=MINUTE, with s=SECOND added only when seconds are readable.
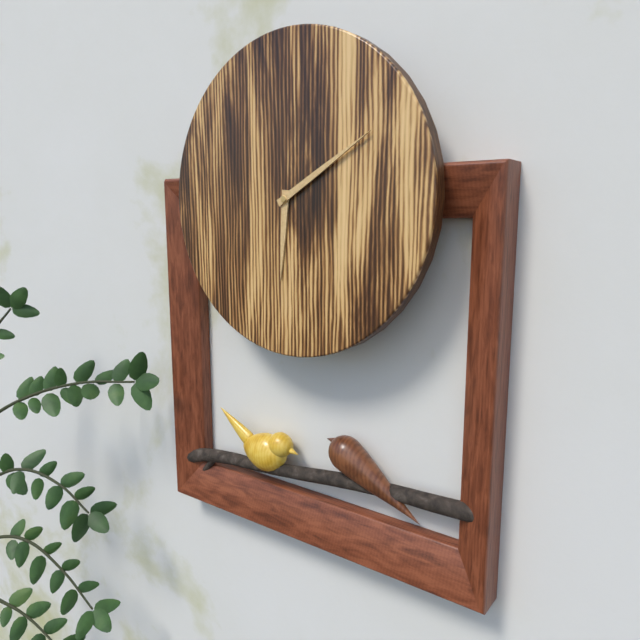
h=6 m=10
